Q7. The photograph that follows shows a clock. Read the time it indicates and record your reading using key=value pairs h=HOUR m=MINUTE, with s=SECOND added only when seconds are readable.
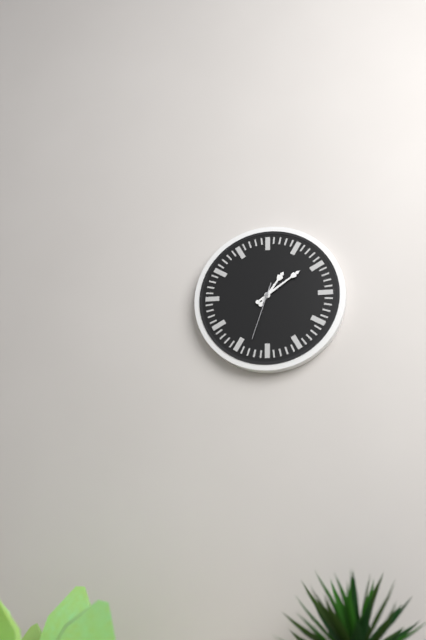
h=1 m=9 s=33
